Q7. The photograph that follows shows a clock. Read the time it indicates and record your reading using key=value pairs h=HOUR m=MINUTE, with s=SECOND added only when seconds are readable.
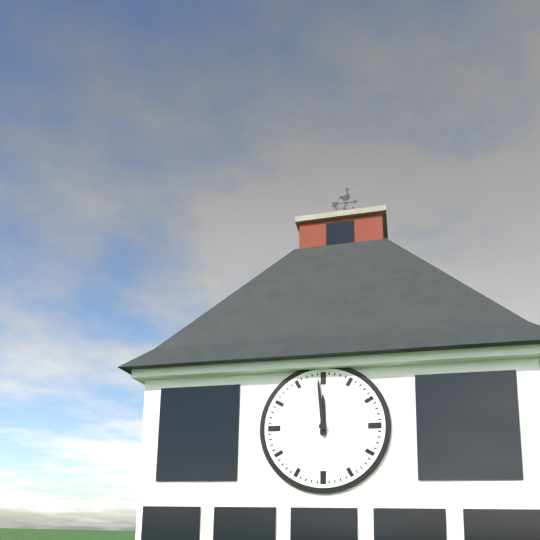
h=11 m=59
